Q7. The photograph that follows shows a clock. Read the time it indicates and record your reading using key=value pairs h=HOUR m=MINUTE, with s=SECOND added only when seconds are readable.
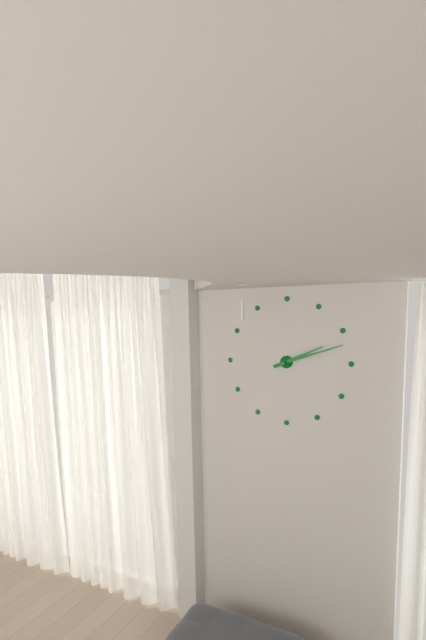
h=2 m=12
